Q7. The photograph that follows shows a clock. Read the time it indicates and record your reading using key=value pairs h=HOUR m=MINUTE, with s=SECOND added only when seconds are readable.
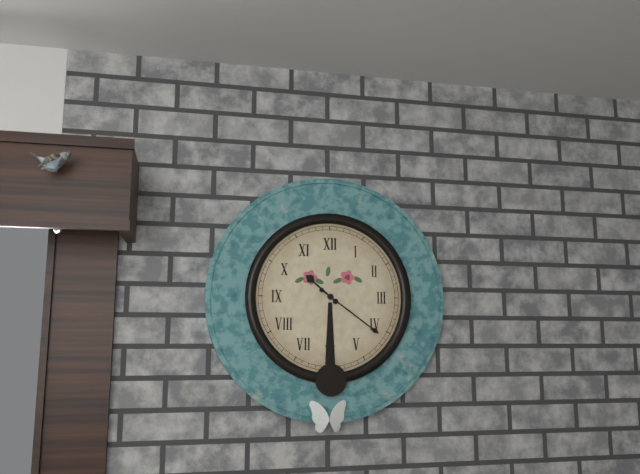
h=10 m=21
